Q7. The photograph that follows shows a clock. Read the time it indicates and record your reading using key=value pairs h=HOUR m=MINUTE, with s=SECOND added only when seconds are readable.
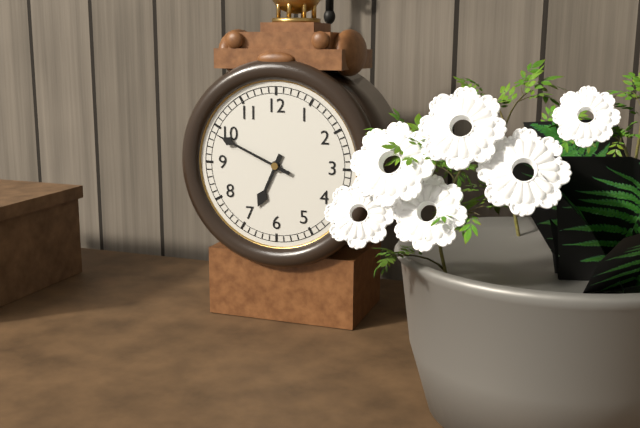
h=6 m=49
